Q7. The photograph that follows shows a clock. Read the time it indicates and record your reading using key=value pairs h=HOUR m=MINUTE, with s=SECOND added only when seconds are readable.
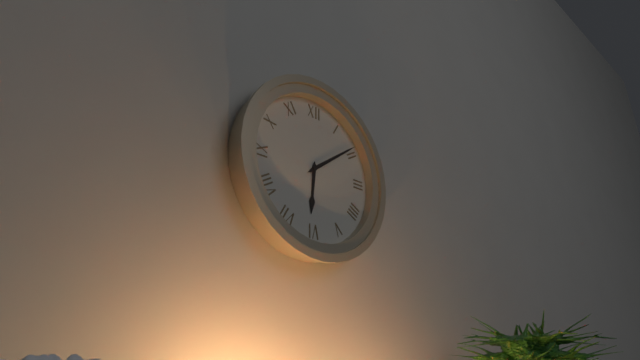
h=6 m=9
